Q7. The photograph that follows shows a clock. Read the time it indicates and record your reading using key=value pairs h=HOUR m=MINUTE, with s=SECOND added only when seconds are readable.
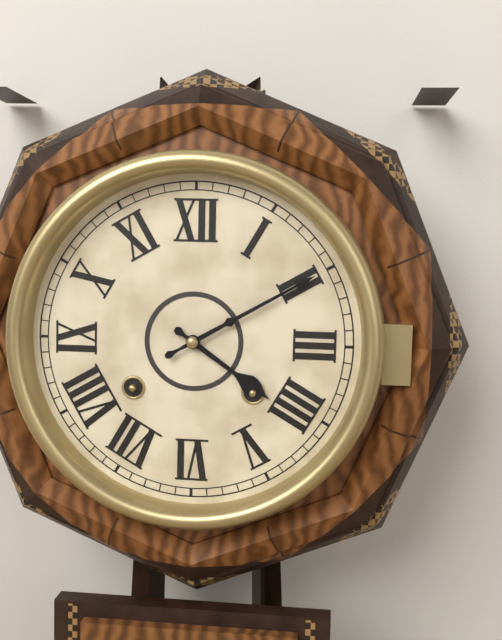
h=4 m=10
